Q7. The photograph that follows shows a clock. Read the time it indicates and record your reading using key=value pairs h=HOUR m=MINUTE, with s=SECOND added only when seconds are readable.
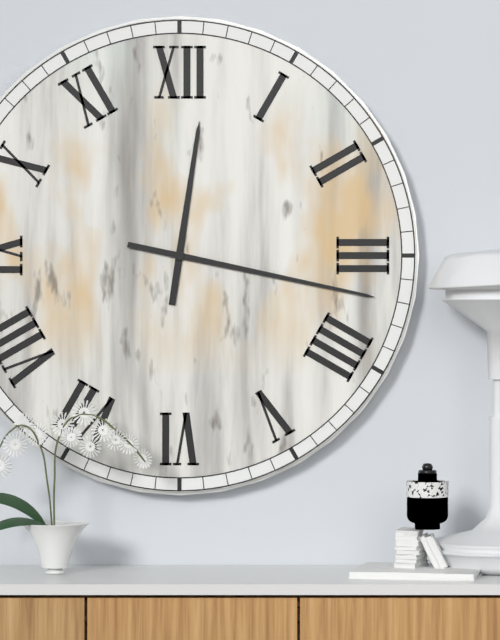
h=12 m=17
